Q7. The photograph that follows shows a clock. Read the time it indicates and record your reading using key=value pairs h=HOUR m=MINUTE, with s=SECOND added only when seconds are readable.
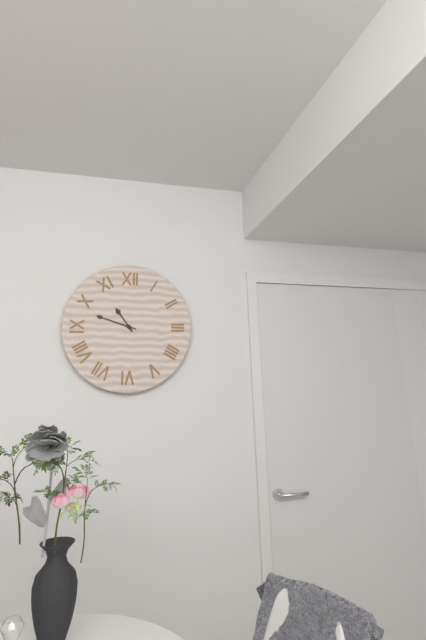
h=10 m=48
